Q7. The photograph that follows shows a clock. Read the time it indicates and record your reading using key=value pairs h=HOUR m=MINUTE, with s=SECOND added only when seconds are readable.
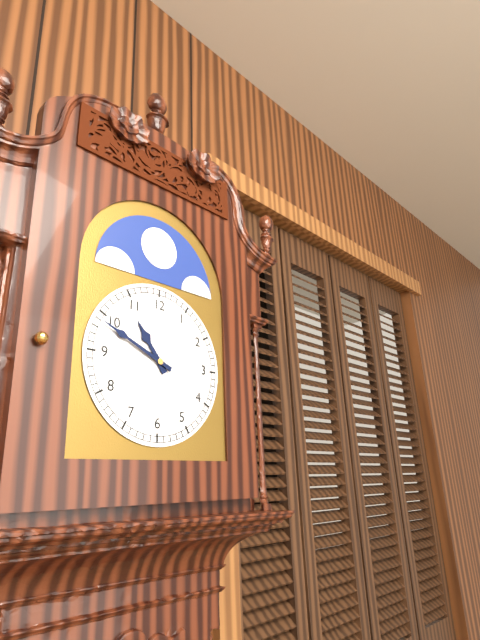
h=10 m=49
